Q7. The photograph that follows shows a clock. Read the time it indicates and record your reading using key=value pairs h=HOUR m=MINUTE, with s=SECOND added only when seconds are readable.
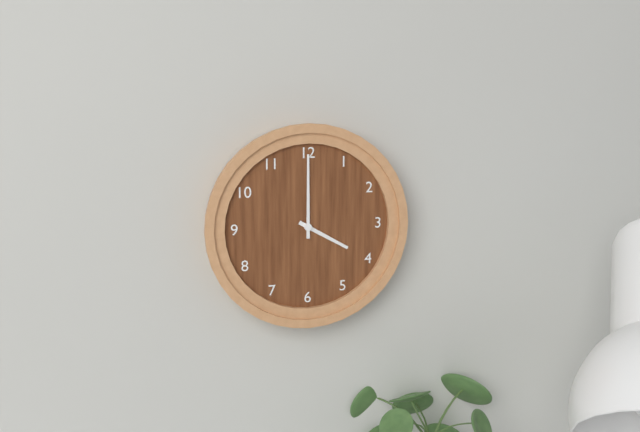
h=4 m=0
